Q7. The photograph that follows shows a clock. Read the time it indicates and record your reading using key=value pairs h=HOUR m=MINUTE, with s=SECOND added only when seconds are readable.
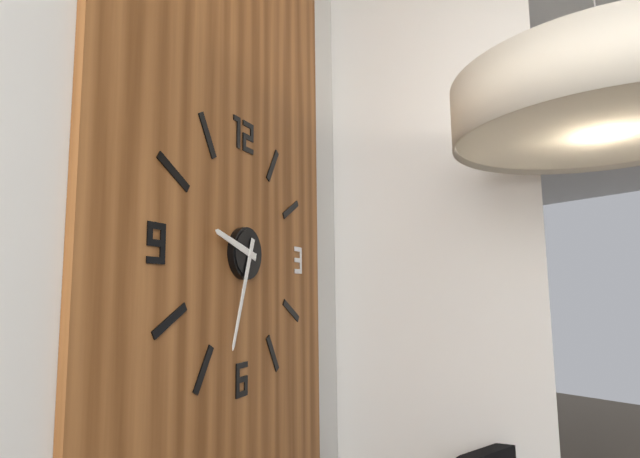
h=9 m=33
